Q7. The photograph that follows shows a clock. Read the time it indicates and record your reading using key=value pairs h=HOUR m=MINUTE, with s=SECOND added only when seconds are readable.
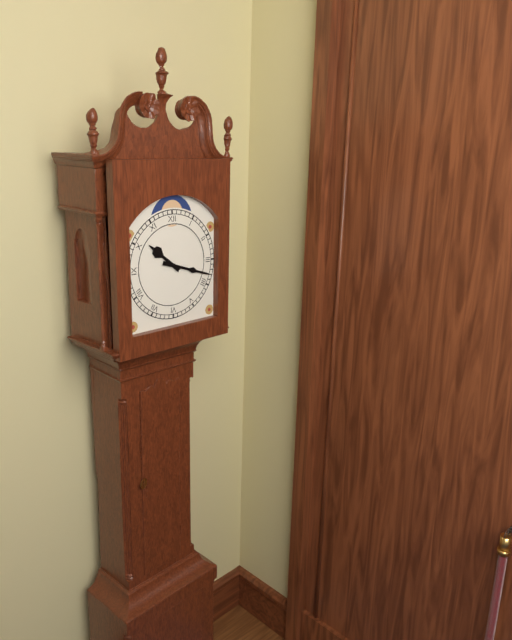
h=10 m=18
